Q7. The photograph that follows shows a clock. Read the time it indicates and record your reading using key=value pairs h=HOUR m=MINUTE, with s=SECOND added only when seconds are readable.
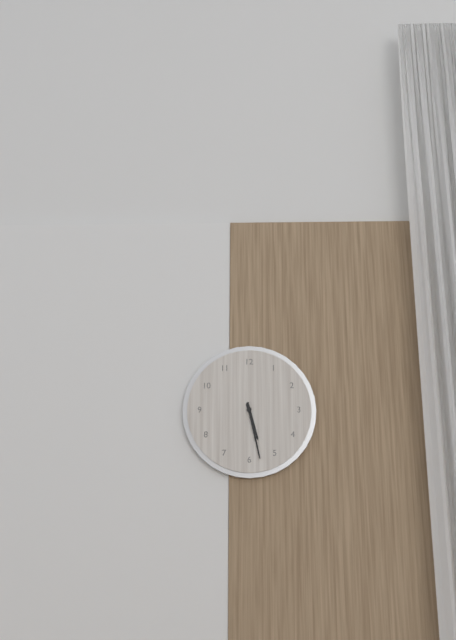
h=5 m=28
